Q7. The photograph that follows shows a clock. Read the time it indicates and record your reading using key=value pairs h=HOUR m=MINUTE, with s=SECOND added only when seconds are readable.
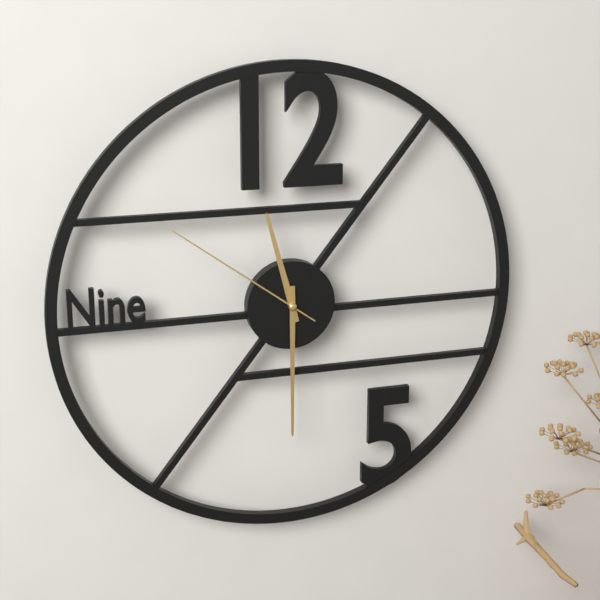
h=11 m=30 s=51
